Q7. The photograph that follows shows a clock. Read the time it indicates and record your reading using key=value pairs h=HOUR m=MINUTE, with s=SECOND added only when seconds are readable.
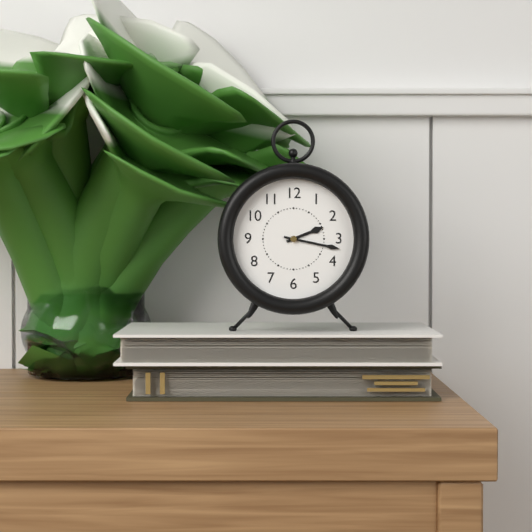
h=2 m=17
